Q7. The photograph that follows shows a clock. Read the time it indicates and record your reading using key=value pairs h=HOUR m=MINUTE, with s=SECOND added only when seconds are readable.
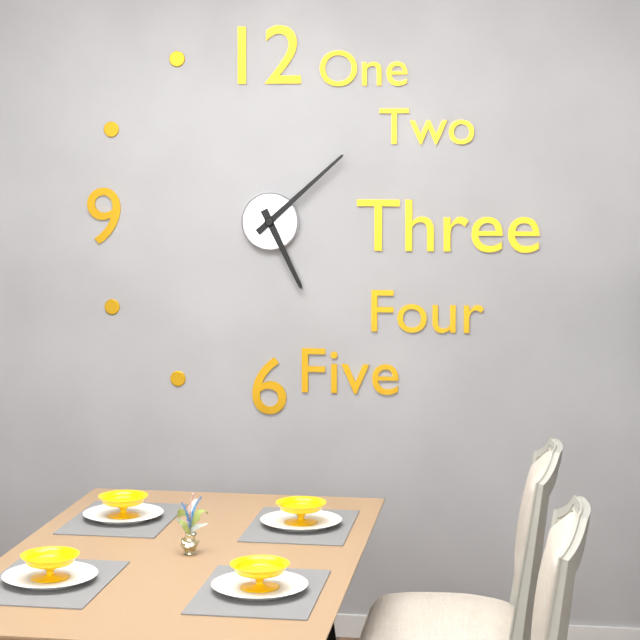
h=5 m=8
